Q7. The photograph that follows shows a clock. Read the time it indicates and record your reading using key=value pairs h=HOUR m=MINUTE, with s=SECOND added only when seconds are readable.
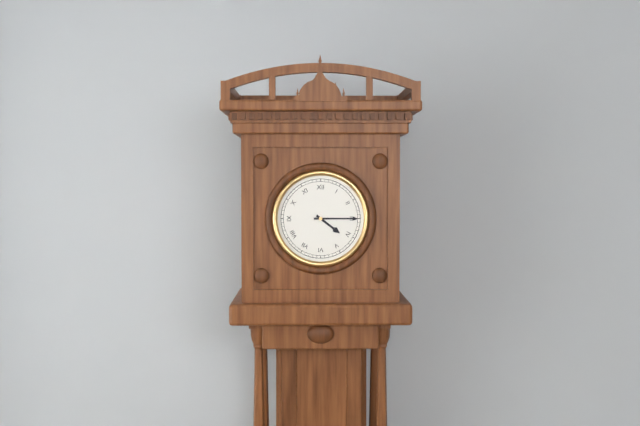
h=4 m=15
